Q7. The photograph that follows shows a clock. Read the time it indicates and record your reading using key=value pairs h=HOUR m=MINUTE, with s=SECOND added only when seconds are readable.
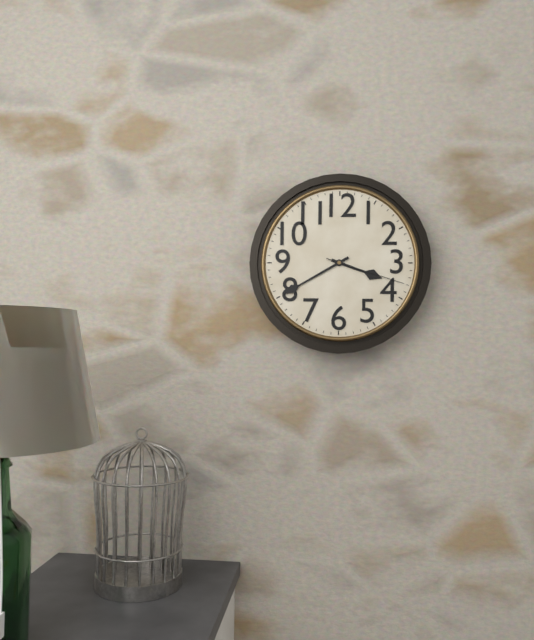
h=3 m=40 s=18
